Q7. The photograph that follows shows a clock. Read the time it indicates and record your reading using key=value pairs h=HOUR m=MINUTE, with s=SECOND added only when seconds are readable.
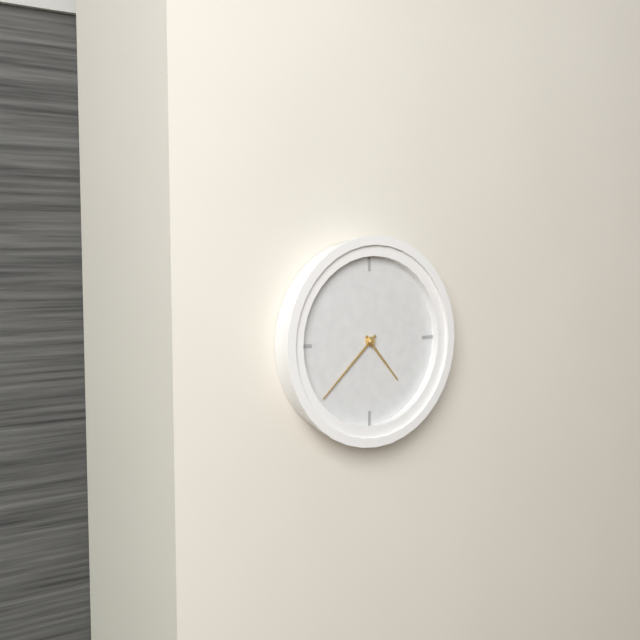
h=4 m=38
